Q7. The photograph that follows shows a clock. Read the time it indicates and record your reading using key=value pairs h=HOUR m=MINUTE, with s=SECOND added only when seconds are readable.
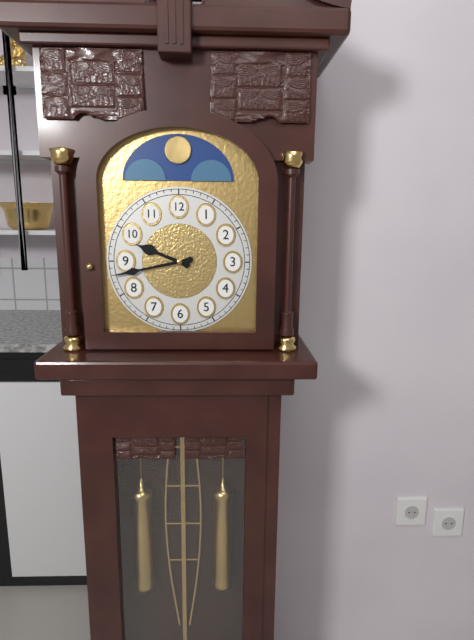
h=9 m=43
